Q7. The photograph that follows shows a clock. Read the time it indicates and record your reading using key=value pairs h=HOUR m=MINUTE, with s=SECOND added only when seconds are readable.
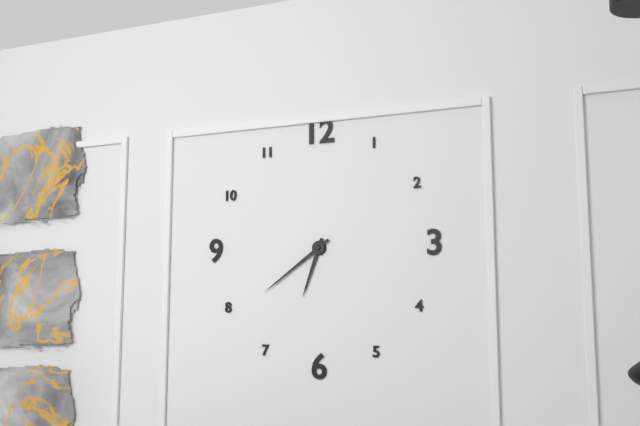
h=6 m=39
